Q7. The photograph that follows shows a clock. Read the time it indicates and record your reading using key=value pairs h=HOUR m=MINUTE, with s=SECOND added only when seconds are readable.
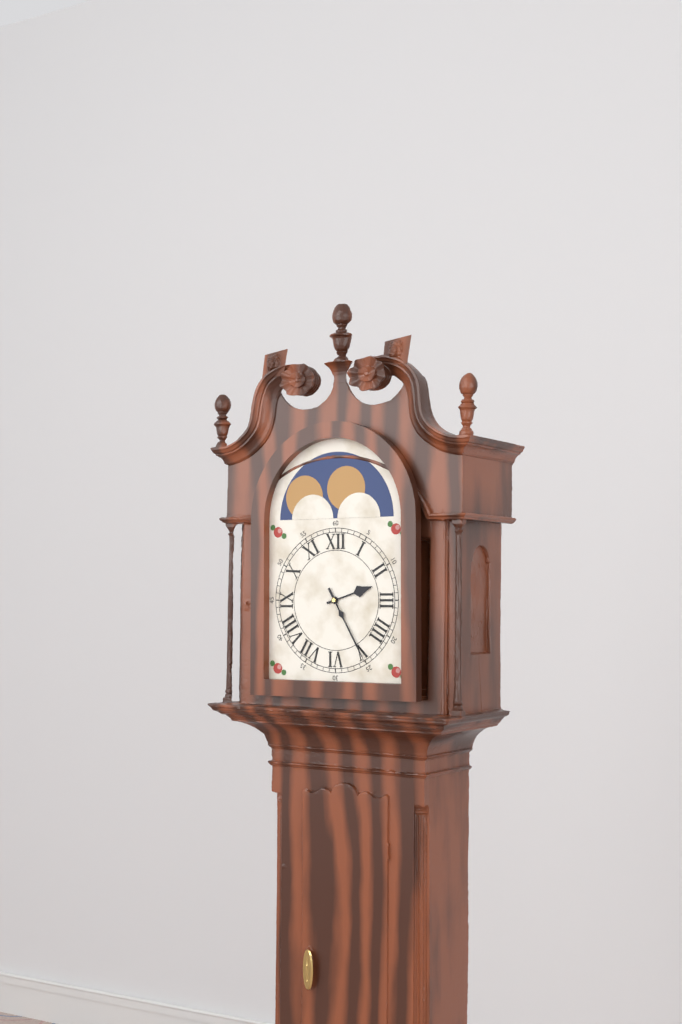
h=2 m=25
